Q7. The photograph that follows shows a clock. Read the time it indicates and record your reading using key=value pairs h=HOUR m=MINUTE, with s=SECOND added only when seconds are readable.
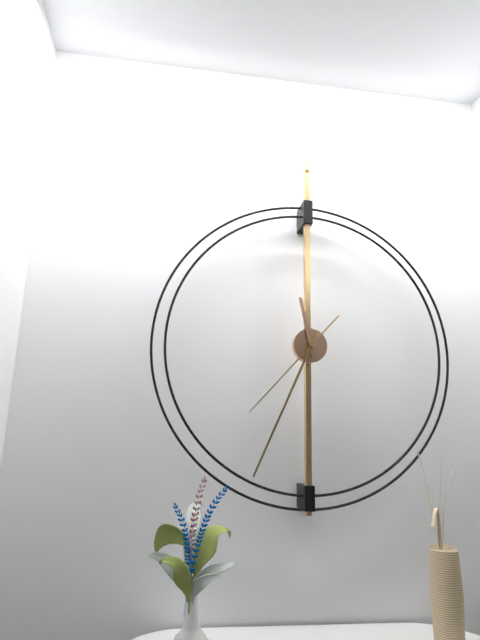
h=11 m=34 s=37
